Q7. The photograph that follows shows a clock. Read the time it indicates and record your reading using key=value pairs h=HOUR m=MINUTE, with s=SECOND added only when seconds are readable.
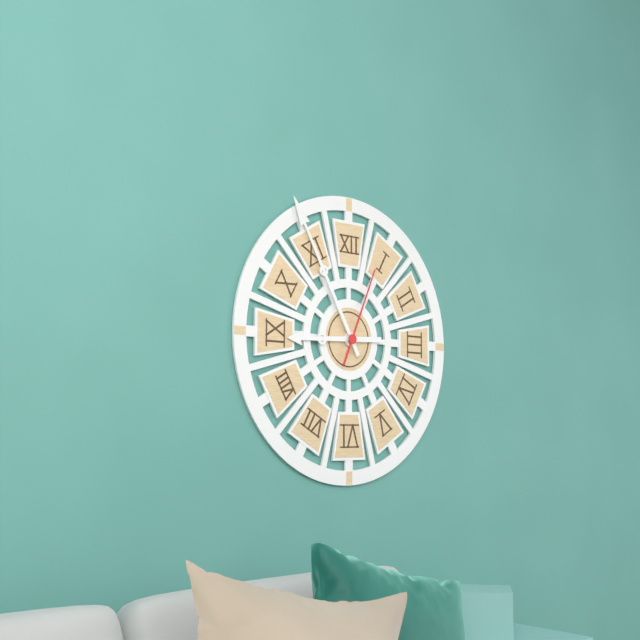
h=8 m=55 s=4
